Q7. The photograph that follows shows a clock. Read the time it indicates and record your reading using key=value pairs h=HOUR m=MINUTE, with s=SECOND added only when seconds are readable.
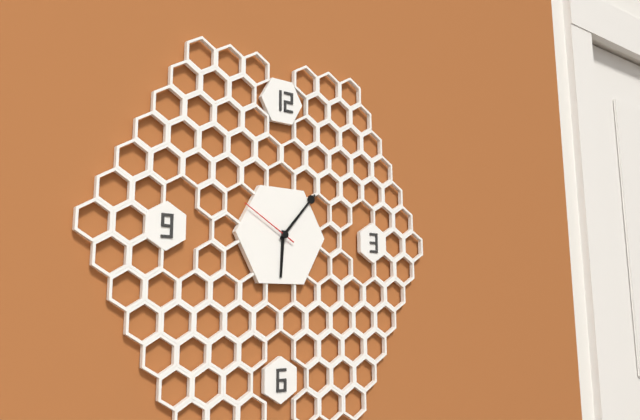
h=6 m=7 s=50
